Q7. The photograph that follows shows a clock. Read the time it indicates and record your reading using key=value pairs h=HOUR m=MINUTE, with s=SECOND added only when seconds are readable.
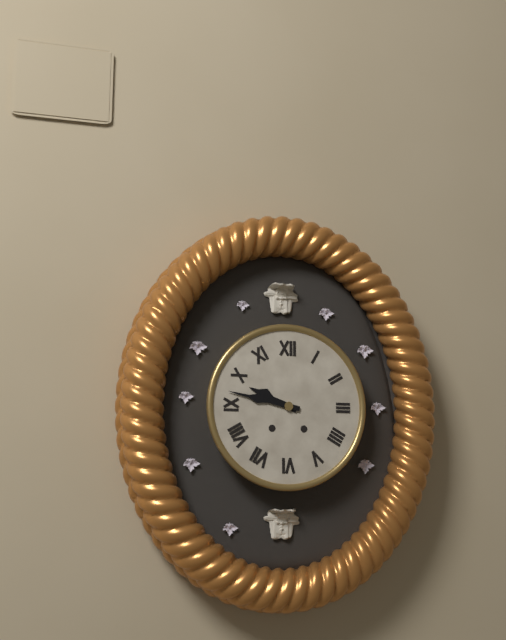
h=9 m=47
